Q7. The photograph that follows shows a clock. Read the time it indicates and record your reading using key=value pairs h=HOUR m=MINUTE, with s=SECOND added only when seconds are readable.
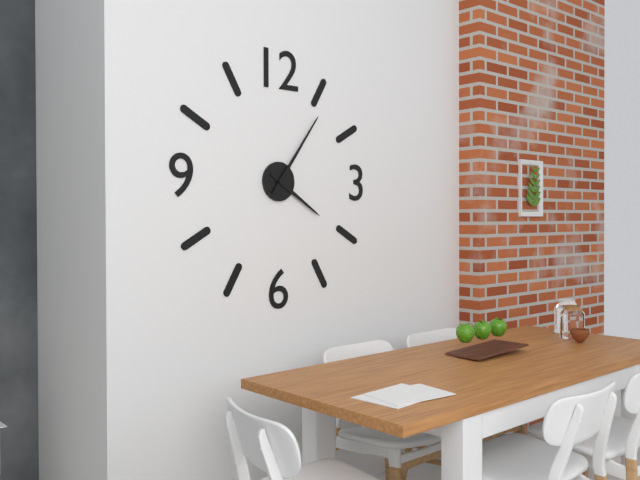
h=4 m=6
